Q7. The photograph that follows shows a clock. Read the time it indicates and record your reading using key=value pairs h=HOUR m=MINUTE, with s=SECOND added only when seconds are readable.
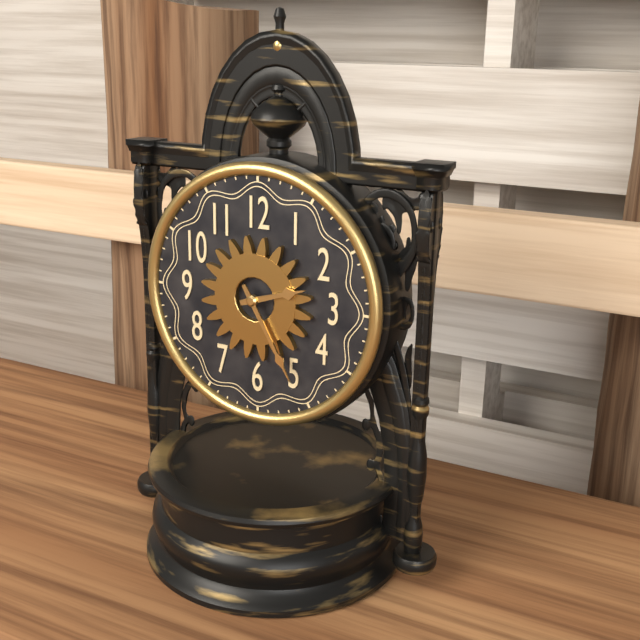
h=2 m=25
